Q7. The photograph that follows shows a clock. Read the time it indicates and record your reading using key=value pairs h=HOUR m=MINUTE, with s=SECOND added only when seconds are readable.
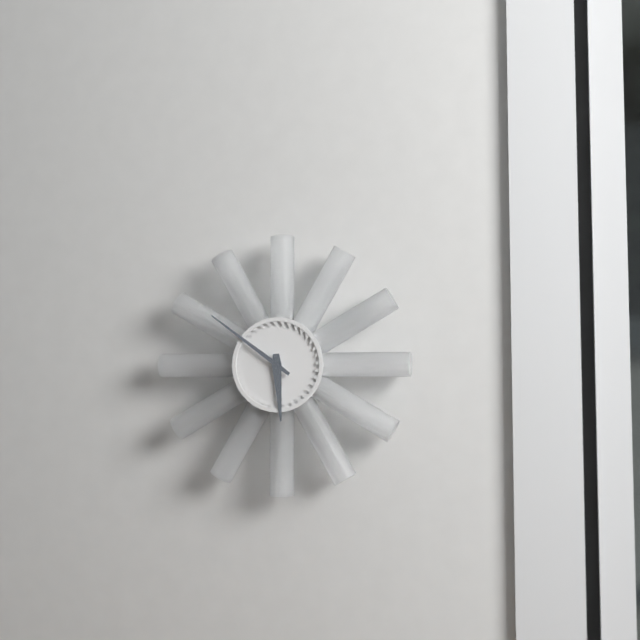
h=5 m=51
